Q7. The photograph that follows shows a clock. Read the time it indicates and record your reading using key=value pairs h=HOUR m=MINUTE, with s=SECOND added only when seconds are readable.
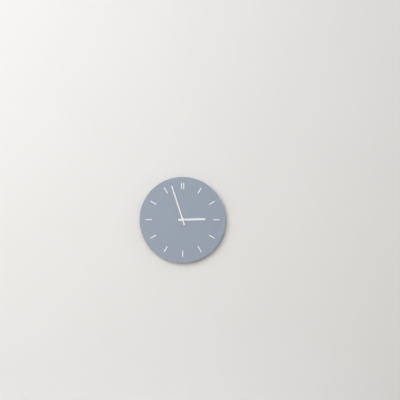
h=2 m=57
